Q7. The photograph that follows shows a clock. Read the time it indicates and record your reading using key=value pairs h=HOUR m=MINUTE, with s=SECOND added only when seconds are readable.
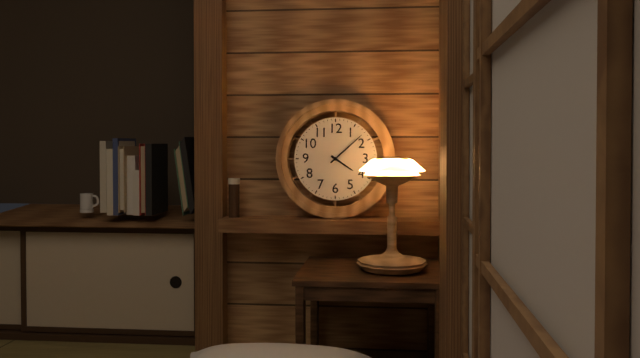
h=4 m=8
